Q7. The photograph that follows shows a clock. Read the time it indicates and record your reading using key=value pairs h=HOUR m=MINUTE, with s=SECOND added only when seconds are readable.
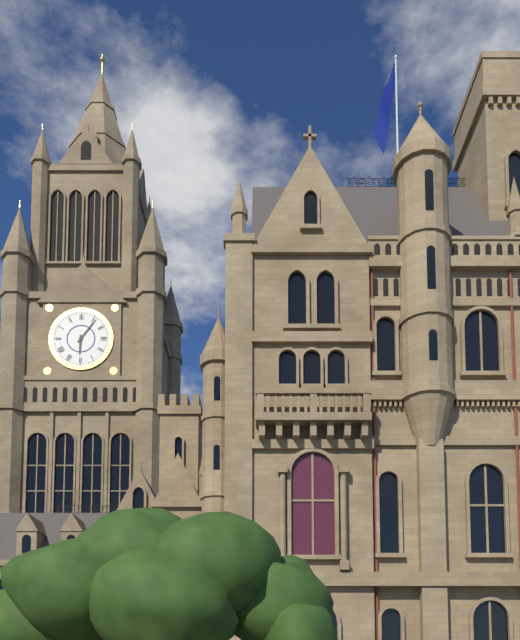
h=6 m=6
